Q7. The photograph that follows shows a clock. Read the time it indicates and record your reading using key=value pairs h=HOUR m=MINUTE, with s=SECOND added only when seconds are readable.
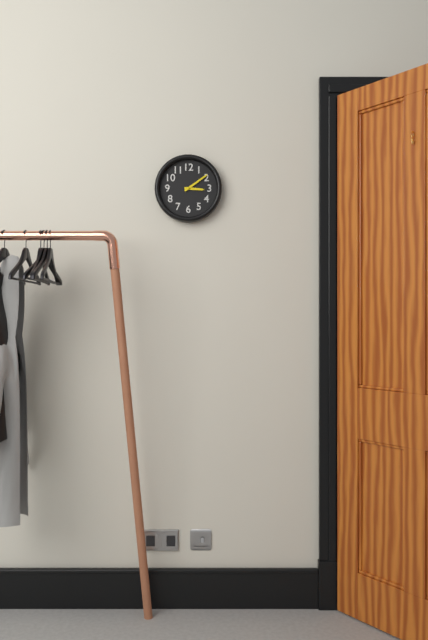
h=3 m=9
